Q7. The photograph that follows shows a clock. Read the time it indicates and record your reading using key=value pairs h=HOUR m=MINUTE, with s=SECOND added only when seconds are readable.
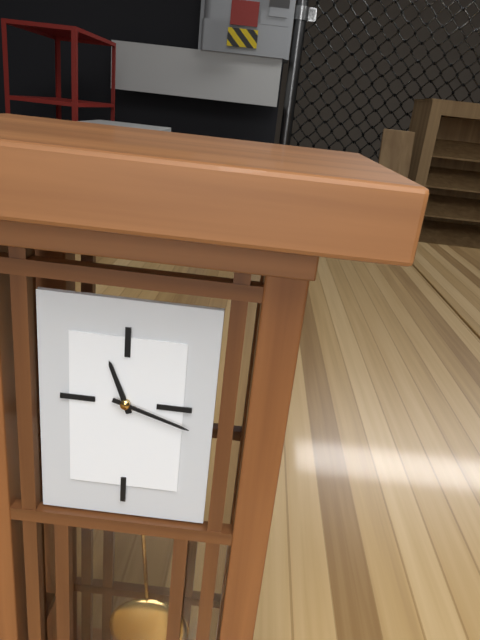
h=11 m=18
